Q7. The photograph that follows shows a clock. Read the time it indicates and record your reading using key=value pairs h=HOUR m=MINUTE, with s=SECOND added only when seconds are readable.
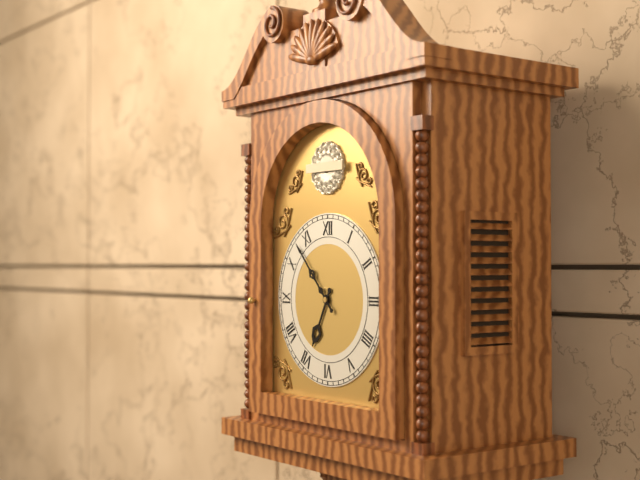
h=6 m=53
